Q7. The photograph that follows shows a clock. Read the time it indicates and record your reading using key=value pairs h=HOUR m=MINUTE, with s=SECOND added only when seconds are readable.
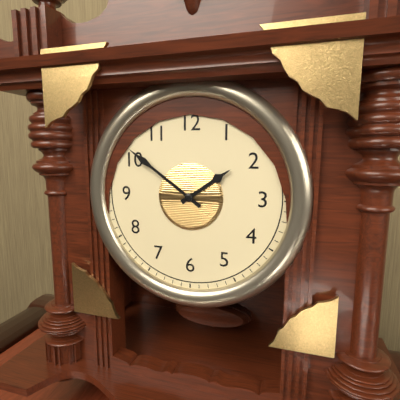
h=1 m=51
